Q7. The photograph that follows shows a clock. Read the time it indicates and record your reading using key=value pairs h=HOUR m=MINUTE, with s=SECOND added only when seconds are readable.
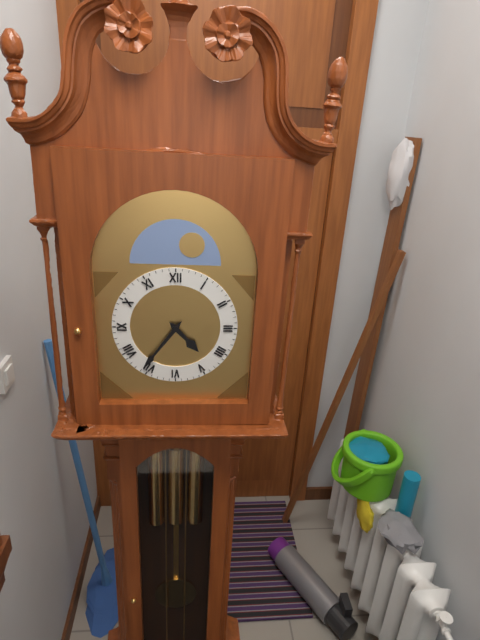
h=4 m=36
